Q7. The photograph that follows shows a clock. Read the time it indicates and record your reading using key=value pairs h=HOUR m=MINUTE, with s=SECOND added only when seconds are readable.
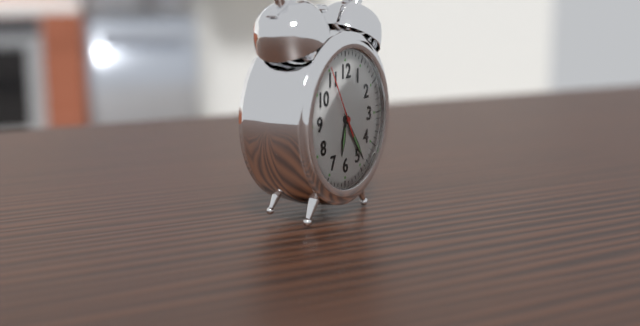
h=6 m=24 s=55
